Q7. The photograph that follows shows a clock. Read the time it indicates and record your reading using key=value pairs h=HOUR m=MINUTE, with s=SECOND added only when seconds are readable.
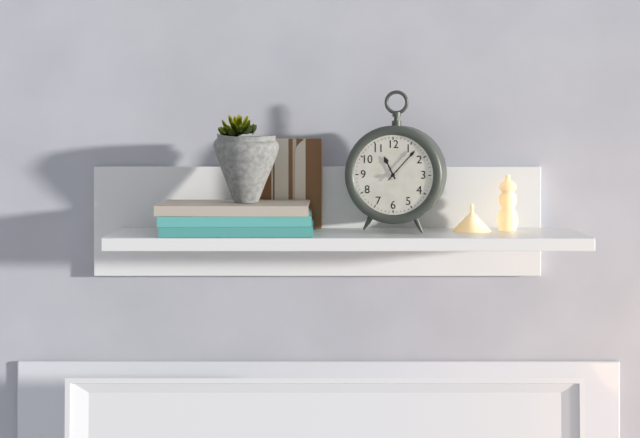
h=11 m=7
